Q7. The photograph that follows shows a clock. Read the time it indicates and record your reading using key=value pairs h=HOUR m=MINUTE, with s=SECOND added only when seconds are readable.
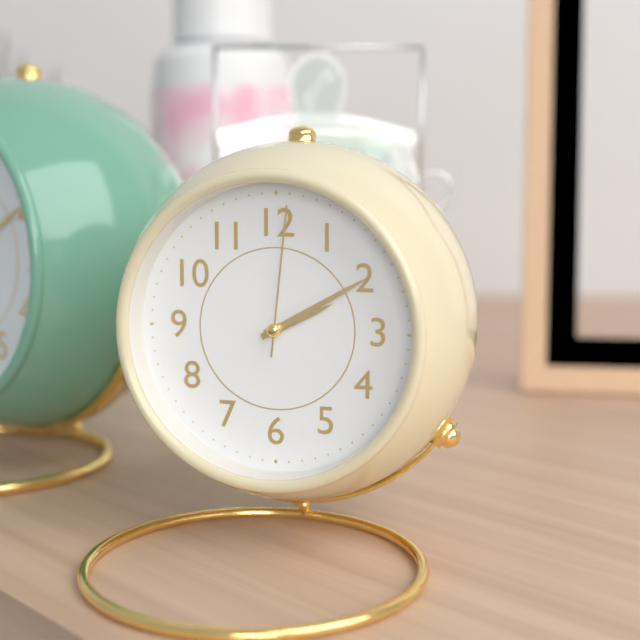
h=2 m=10 s=1
